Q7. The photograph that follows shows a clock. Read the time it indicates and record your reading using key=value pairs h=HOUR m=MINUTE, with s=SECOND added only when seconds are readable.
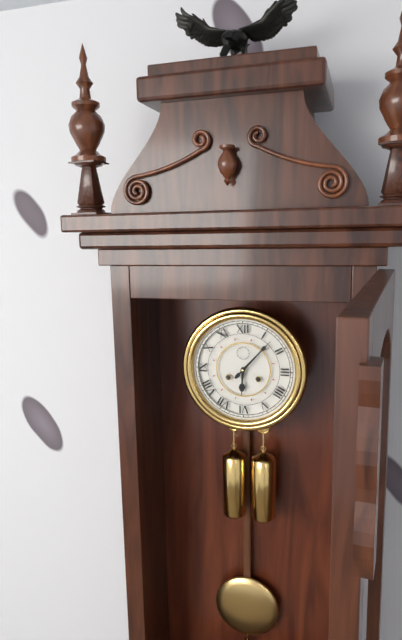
h=6 m=7
